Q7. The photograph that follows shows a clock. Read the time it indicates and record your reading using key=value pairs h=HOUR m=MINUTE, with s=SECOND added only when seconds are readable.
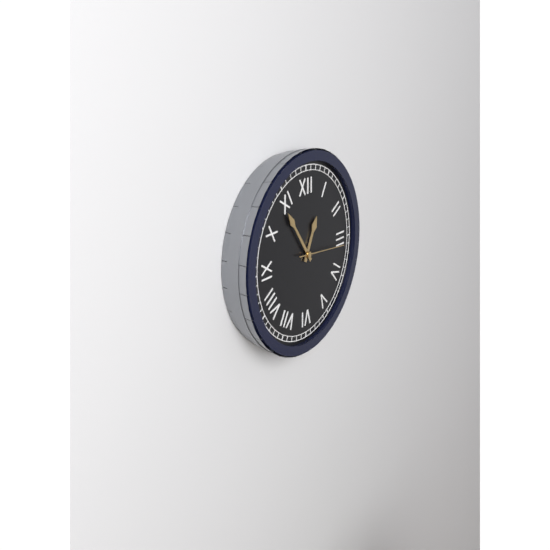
h=12 m=54
